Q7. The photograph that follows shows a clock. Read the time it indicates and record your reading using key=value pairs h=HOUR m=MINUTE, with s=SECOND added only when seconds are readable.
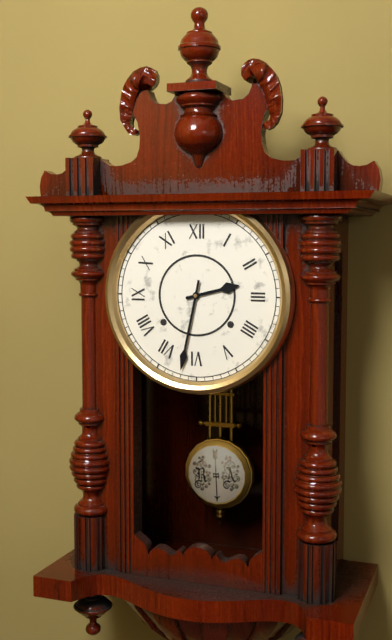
h=2 m=32
